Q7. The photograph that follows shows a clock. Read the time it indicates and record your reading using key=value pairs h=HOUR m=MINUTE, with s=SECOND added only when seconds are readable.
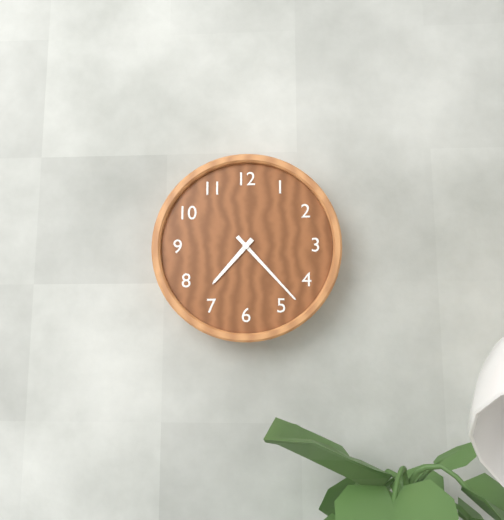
h=7 m=23
